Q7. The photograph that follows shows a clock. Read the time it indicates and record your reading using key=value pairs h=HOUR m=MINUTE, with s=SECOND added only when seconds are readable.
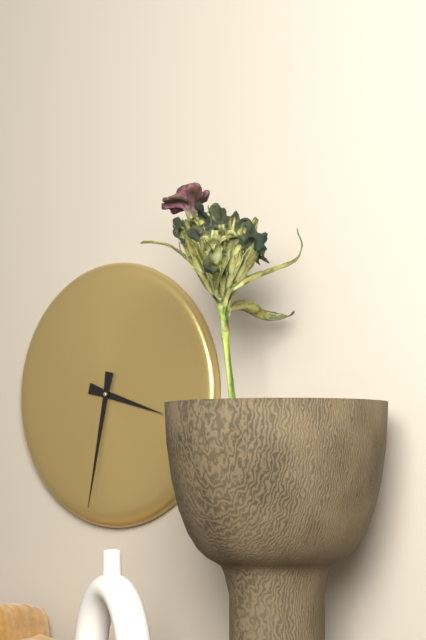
h=3 m=32
